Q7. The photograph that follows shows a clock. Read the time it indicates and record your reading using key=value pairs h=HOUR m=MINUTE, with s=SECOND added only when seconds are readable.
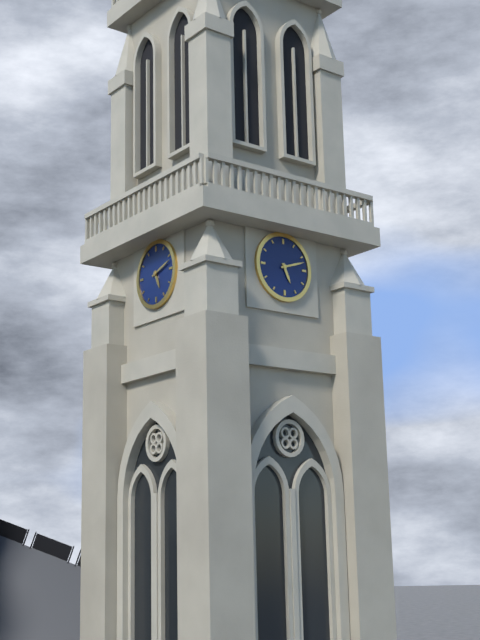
h=5 m=12
